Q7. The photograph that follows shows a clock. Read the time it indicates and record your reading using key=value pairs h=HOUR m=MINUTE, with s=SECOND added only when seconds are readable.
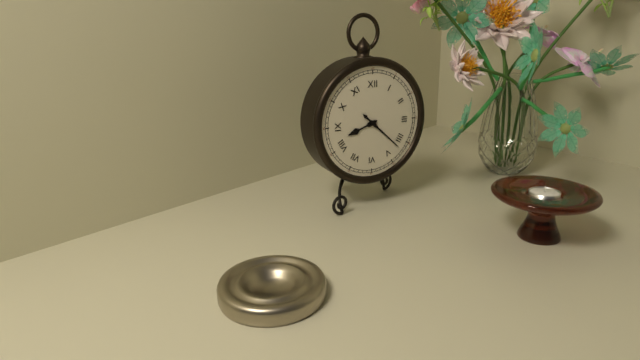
h=8 m=22
